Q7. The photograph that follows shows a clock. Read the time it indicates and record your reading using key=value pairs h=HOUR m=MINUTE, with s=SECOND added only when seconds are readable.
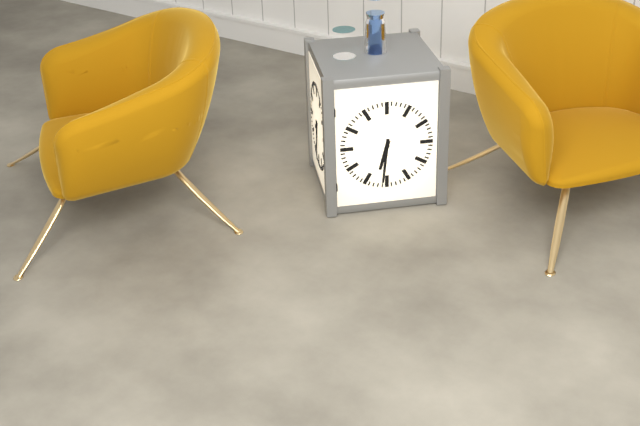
h=6 m=31
